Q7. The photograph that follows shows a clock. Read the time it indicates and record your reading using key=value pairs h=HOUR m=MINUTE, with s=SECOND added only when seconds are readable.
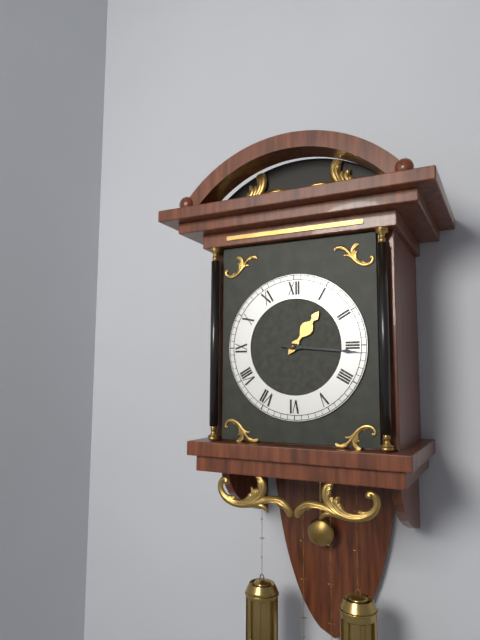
h=1 m=16
